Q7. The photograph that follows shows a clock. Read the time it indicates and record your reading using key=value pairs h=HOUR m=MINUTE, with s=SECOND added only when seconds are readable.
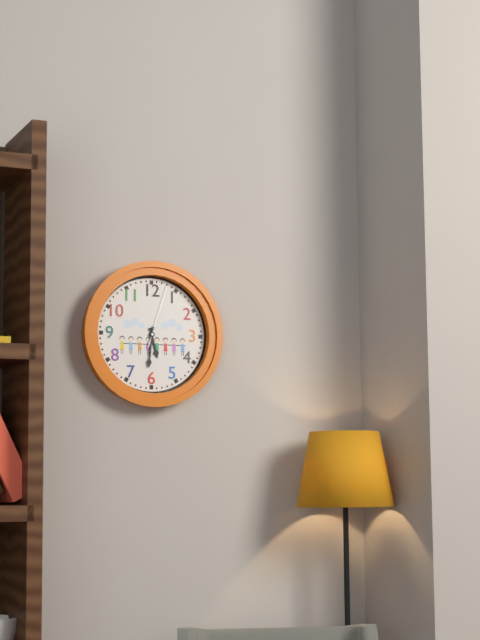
h=5 m=31 s=3
